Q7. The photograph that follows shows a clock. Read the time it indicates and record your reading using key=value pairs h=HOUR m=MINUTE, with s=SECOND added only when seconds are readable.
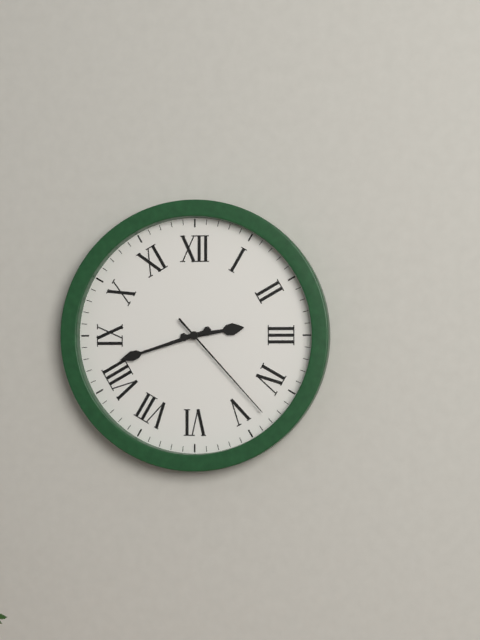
h=2 m=42 s=23
